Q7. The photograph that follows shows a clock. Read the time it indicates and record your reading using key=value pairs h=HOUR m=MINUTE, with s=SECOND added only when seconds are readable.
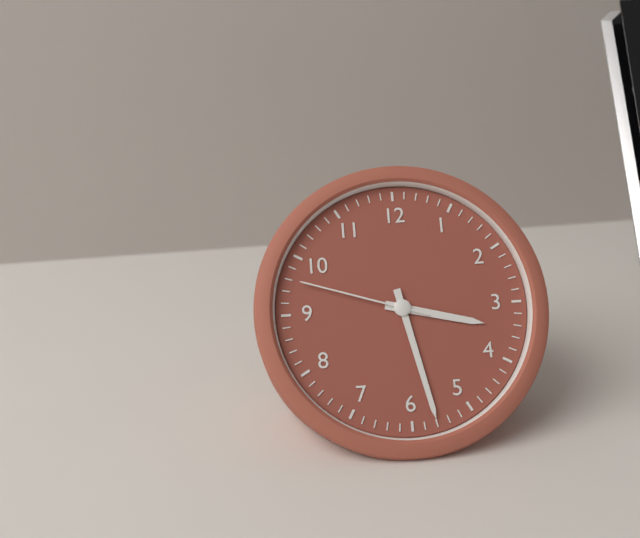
h=3 m=28 s=48
